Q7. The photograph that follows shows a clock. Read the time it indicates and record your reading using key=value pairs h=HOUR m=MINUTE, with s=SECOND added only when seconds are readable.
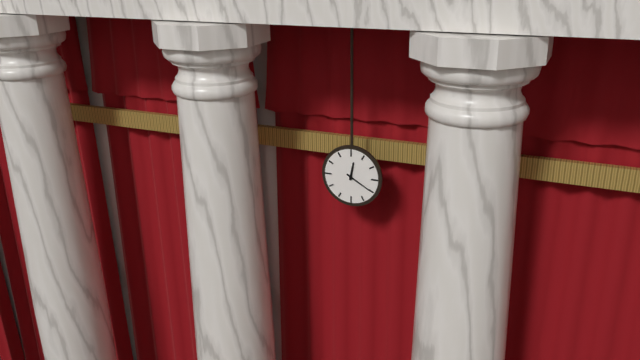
h=12 m=20
